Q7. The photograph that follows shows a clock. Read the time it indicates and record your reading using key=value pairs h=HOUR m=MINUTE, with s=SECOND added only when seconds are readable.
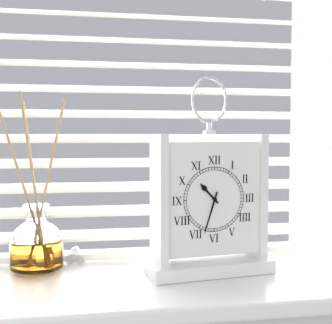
h=10 m=33
